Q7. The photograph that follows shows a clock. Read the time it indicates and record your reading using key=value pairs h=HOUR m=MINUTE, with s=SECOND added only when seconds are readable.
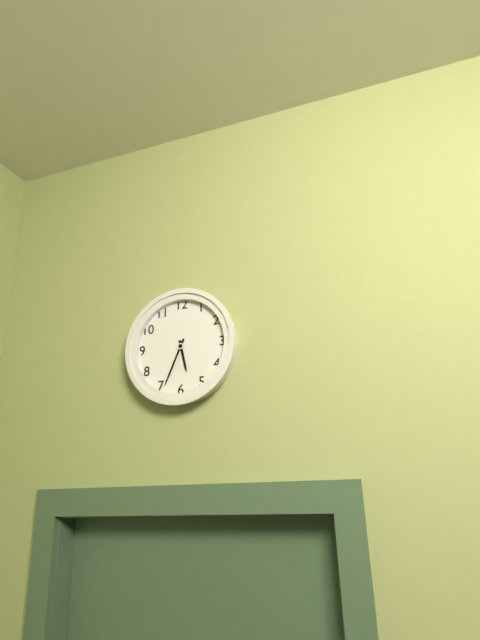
h=5 m=34
